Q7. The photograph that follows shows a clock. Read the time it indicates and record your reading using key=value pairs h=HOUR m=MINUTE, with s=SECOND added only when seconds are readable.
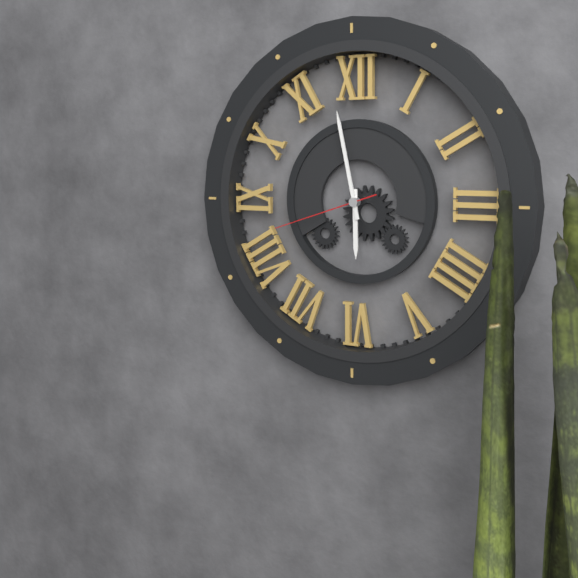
h=5 m=58 s=42
